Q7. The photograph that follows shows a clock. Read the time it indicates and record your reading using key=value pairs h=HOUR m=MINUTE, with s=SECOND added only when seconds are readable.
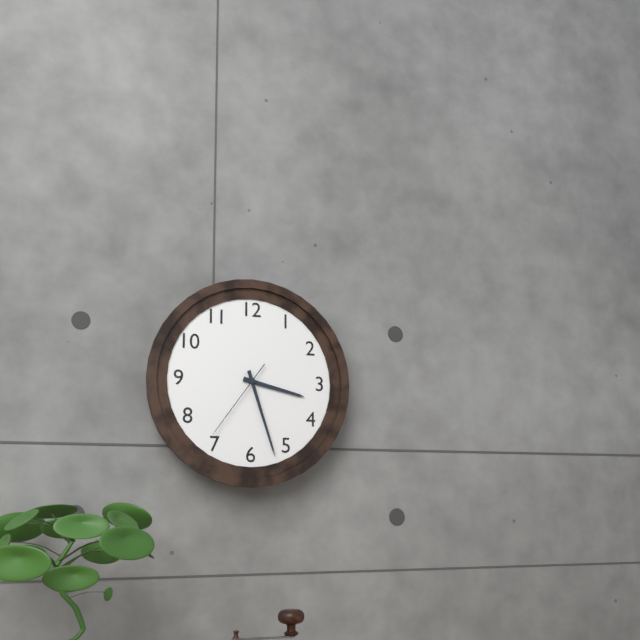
h=3 m=27 s=36
